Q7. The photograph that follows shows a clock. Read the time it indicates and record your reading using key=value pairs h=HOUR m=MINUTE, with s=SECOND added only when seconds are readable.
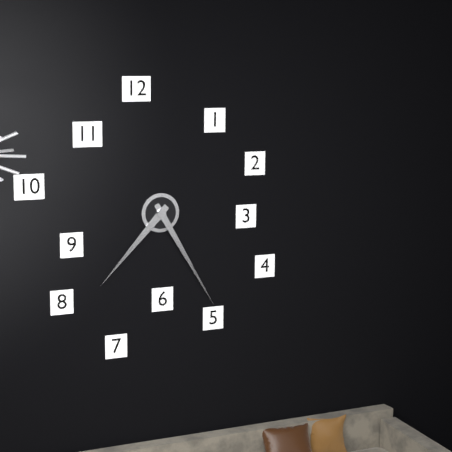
h=7 m=25
